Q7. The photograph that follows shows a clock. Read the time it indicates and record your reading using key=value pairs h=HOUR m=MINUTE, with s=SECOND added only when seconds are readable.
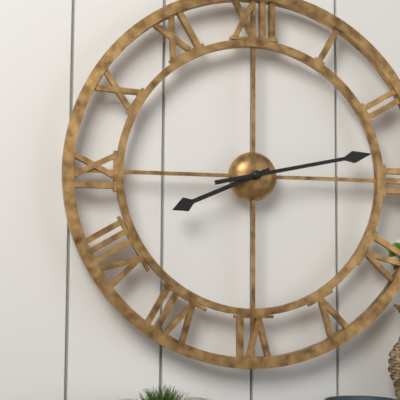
h=8 m=13
